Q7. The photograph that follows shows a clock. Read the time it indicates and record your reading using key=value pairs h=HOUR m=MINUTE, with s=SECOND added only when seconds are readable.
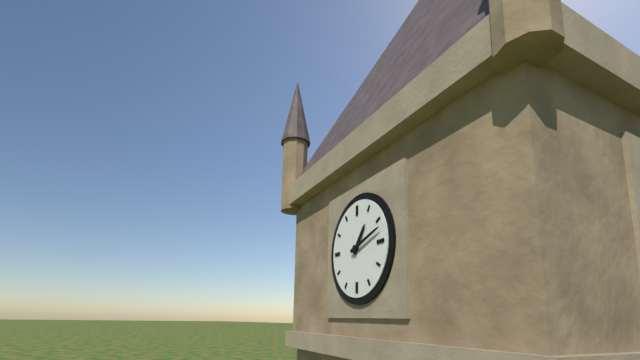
h=1 m=12
